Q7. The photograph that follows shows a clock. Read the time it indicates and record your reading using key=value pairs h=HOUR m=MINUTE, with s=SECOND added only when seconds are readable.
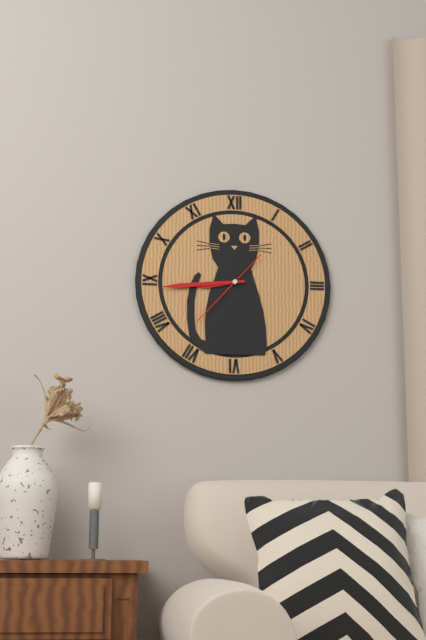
h=8 m=44 s=37
